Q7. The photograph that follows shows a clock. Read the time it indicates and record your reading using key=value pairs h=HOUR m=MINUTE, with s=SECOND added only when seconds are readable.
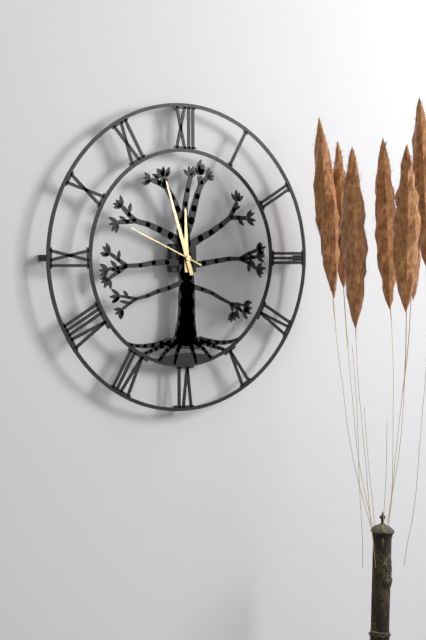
h=11 m=57 s=49
